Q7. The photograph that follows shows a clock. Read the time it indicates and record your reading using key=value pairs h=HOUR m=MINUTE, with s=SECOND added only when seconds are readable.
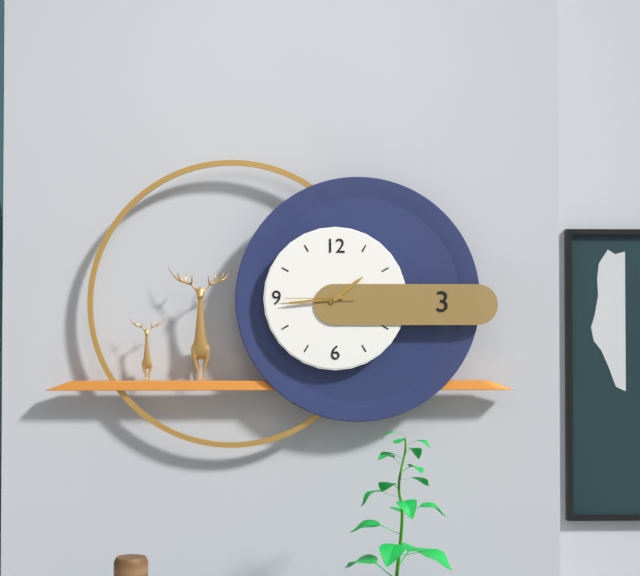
h=1 m=44 s=45
